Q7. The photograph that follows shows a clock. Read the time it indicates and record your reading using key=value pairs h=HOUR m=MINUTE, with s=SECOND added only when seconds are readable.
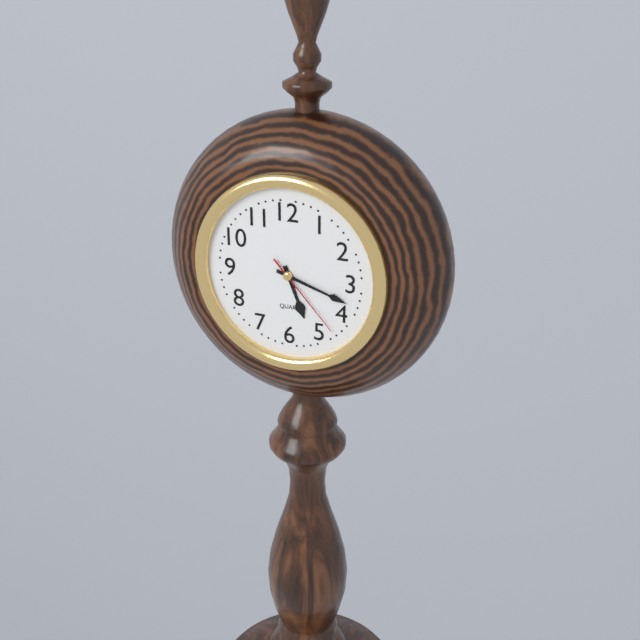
h=5 m=18 s=23
